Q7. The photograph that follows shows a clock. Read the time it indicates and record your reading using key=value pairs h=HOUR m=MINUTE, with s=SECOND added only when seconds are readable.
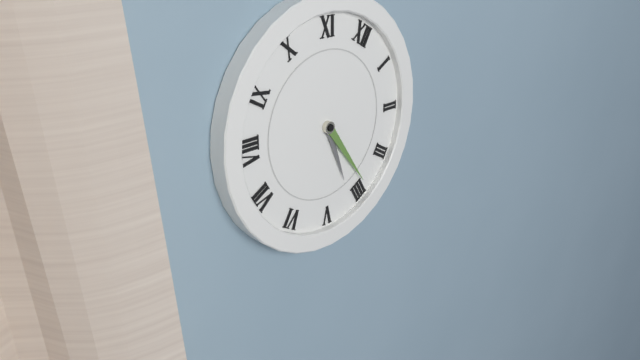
h=4 m=19
